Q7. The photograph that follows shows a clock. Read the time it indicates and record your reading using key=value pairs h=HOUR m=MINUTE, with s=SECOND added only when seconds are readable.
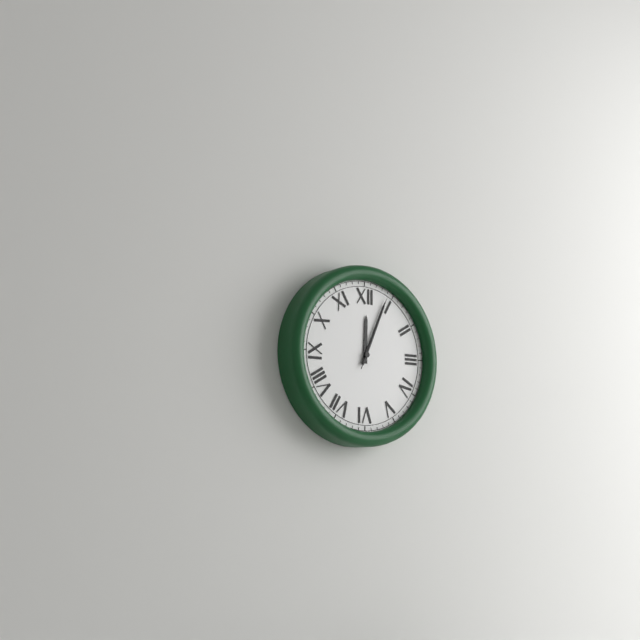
h=12 m=4 s=4
